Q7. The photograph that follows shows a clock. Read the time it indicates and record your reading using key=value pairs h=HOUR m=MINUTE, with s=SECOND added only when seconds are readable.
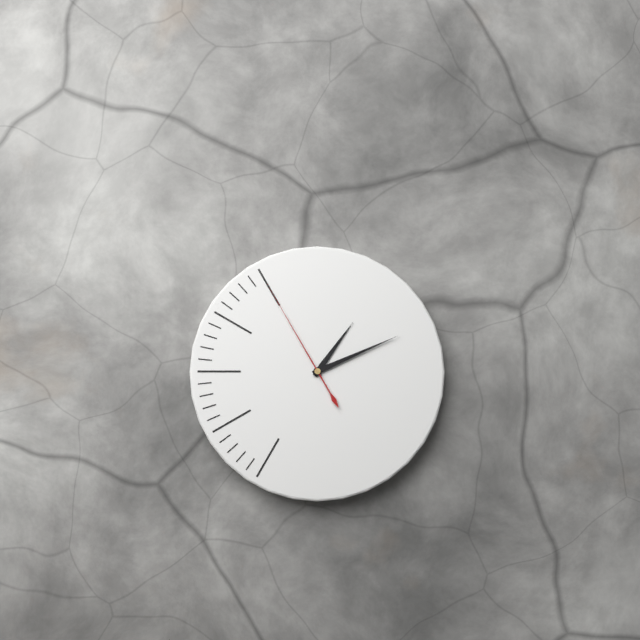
h=1 m=11 s=55
